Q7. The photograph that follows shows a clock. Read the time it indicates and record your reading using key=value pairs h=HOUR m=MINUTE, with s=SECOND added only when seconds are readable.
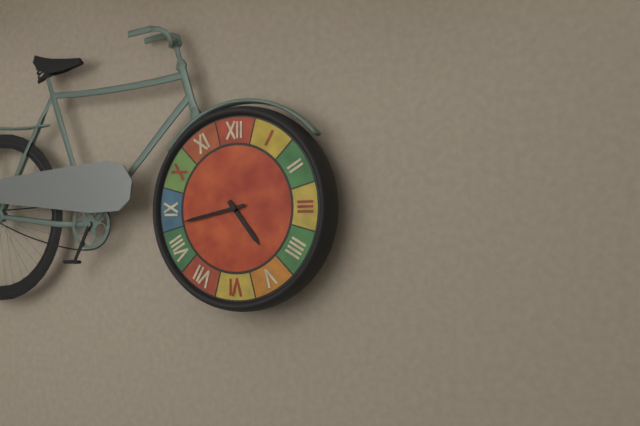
h=4 m=43
